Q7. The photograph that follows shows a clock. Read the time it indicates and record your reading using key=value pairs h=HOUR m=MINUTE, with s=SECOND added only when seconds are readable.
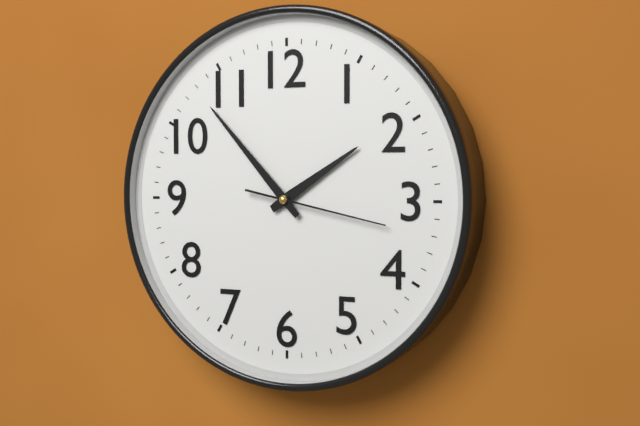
h=1 m=53 s=17
